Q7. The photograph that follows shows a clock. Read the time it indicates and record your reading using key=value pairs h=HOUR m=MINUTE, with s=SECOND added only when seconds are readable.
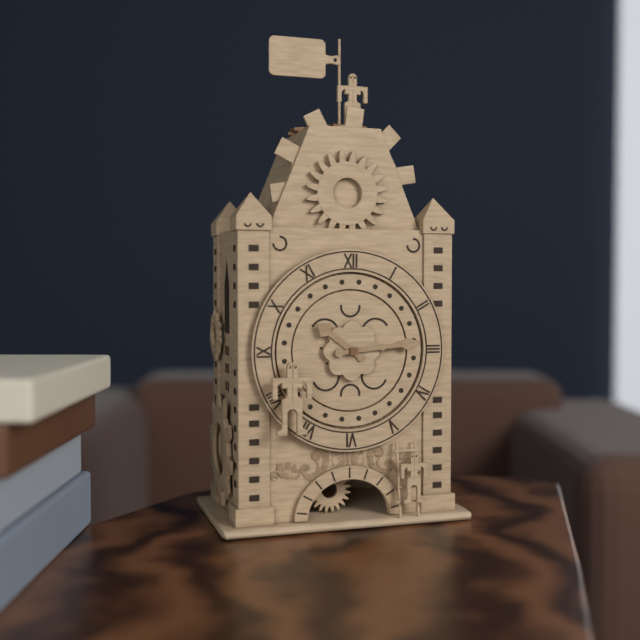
h=10 m=14
